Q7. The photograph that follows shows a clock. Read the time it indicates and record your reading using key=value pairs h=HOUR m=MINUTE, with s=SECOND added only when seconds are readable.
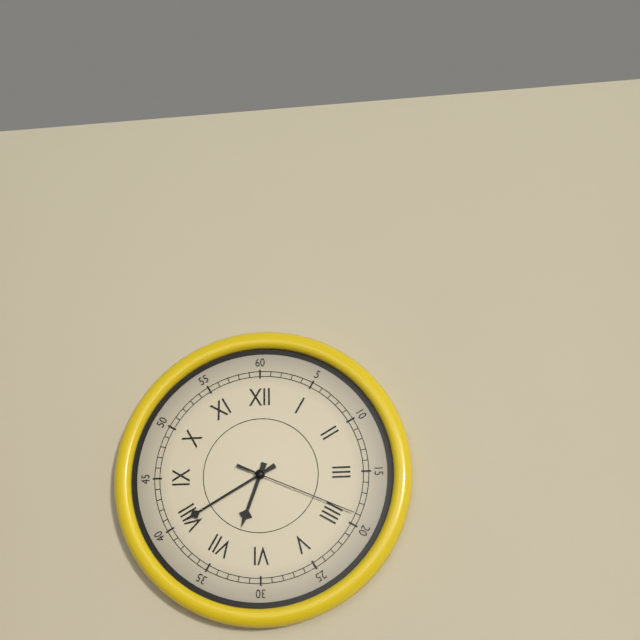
h=6 m=40 s=19
